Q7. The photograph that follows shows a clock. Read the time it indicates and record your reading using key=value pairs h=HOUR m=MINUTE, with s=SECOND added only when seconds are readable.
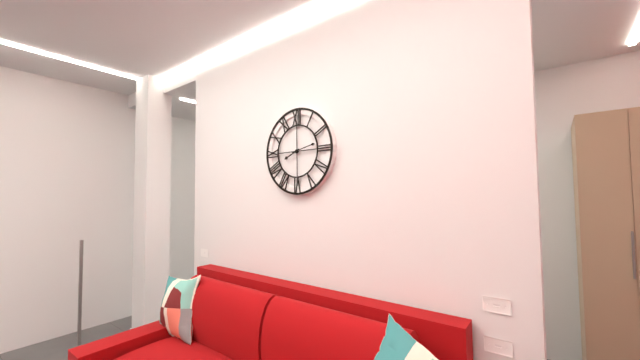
h=8 m=13
